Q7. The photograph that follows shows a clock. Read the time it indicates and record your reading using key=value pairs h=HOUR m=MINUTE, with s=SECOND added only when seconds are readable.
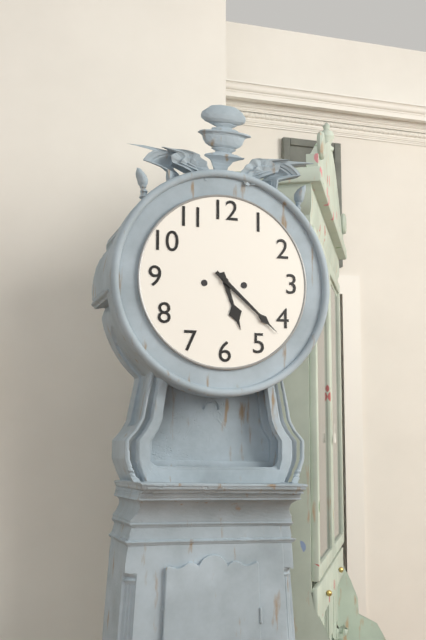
h=5 m=22
